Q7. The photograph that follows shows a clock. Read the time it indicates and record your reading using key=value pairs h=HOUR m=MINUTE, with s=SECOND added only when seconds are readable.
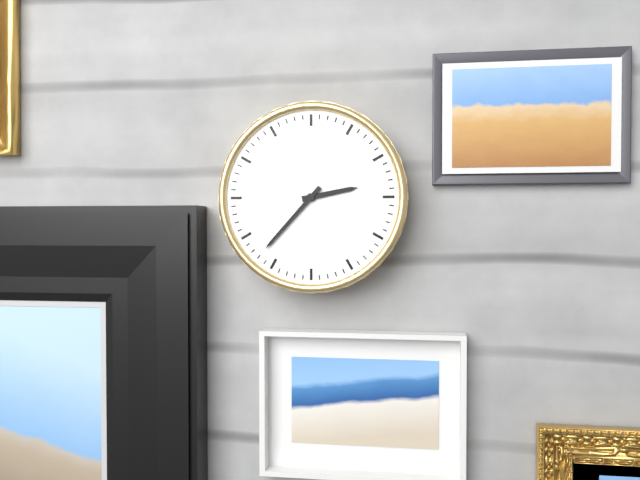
h=2 m=37
